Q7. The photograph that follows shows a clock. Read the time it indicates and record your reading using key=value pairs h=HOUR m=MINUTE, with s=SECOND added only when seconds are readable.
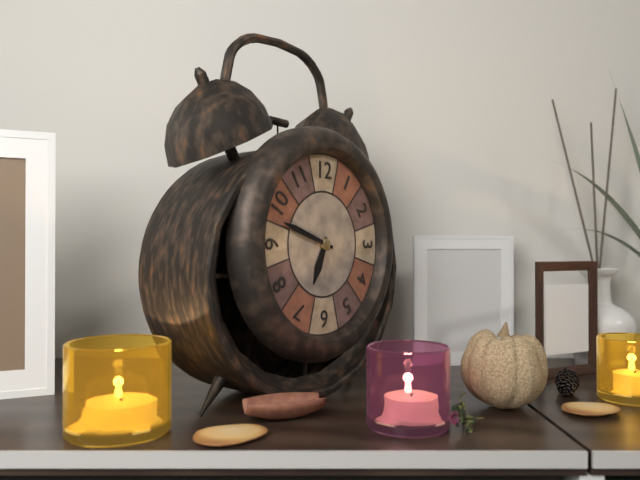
h=6 m=48
